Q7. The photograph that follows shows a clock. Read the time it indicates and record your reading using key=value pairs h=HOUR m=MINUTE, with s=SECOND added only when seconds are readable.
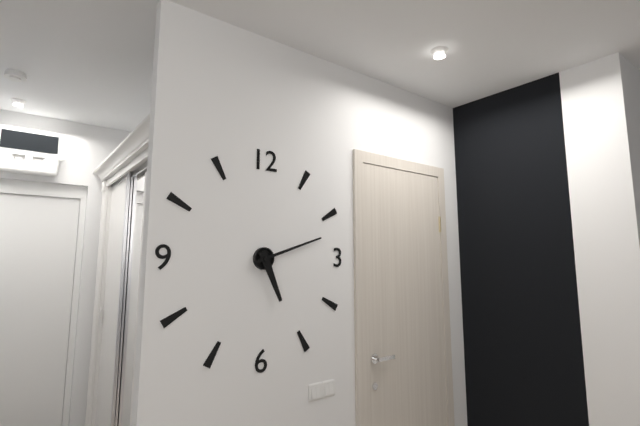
h=5 m=12
